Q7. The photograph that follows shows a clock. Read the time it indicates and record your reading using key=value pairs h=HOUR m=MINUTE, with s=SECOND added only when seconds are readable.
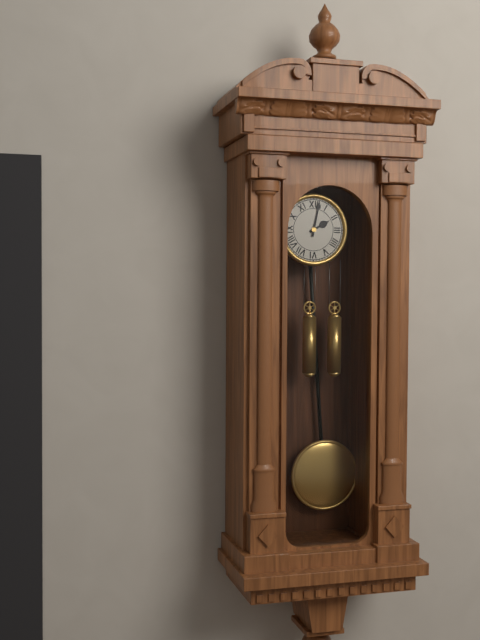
h=2 m=2
